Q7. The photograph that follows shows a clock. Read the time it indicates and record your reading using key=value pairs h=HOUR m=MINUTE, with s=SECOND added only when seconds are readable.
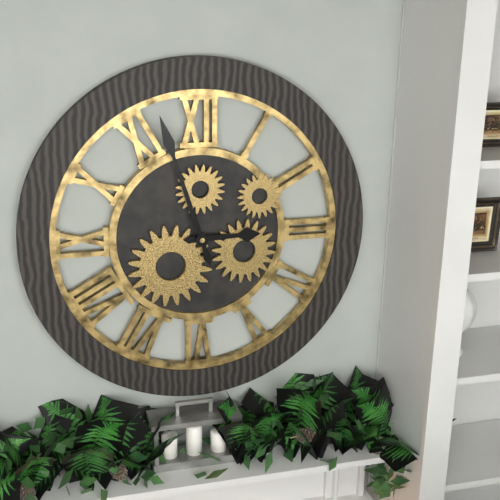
h=2 m=57
